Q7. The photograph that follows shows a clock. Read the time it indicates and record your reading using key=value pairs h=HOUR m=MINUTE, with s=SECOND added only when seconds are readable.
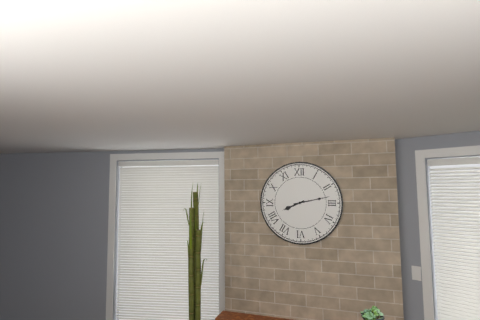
h=8 m=13
